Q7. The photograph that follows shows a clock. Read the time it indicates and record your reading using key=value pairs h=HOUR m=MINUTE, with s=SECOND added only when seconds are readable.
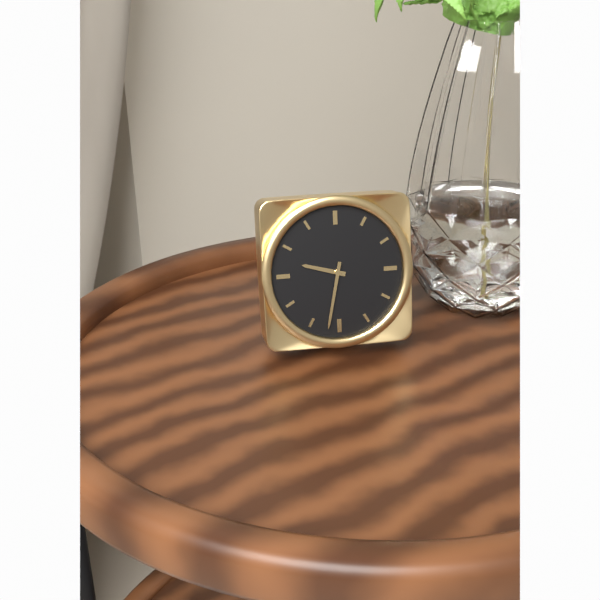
h=9 m=32
